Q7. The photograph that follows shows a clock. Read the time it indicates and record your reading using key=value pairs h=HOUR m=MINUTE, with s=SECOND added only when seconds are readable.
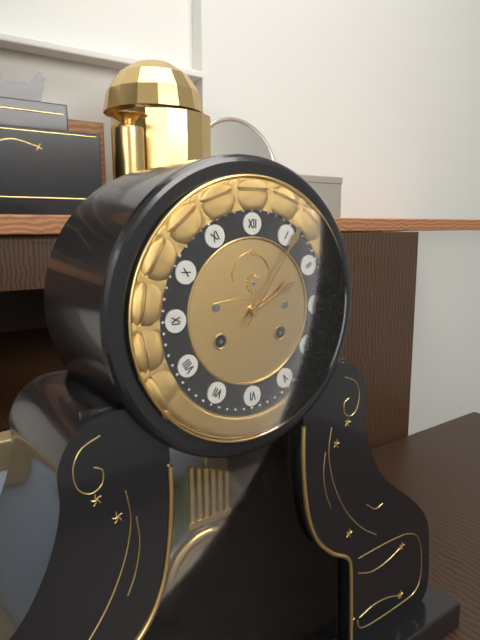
h=2 m=6
